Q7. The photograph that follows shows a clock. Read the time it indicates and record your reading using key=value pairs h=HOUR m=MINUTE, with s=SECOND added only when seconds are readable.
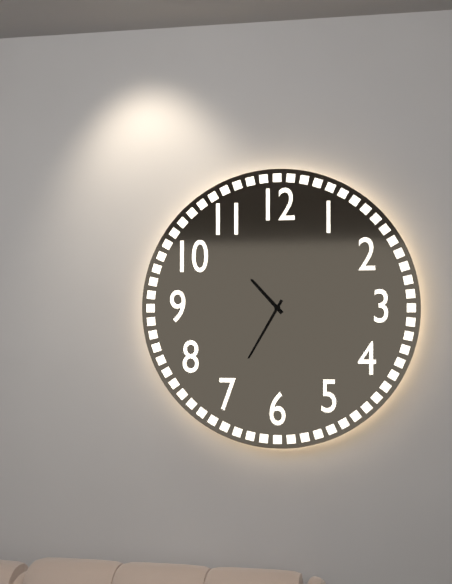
h=10 m=35
